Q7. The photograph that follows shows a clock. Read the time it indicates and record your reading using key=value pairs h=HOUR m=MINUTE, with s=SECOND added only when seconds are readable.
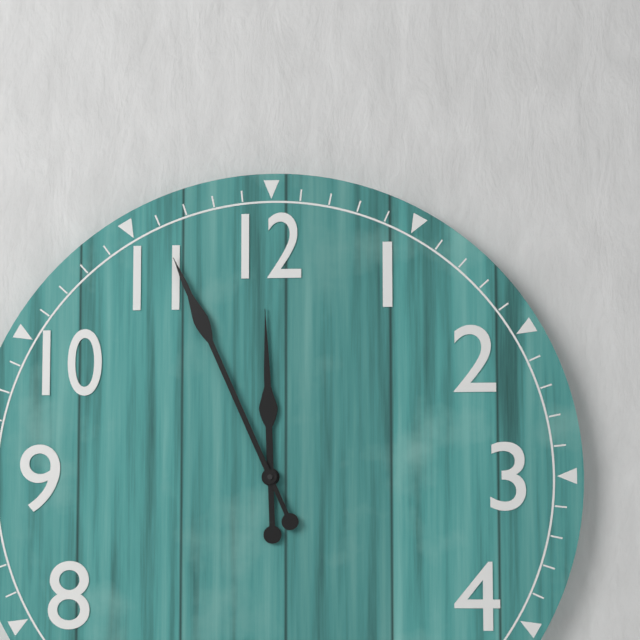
h=11 m=56
